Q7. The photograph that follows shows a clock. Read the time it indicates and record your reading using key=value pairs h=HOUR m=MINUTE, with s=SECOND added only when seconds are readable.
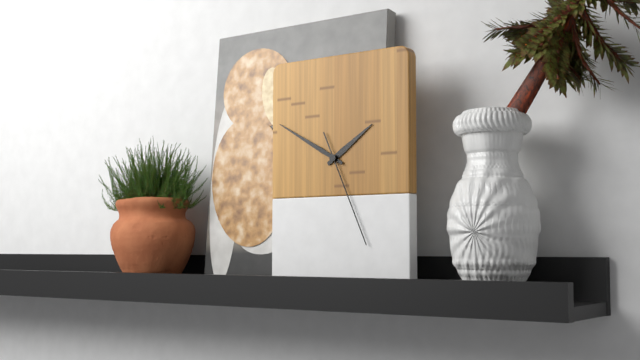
h=1 m=50 s=26
